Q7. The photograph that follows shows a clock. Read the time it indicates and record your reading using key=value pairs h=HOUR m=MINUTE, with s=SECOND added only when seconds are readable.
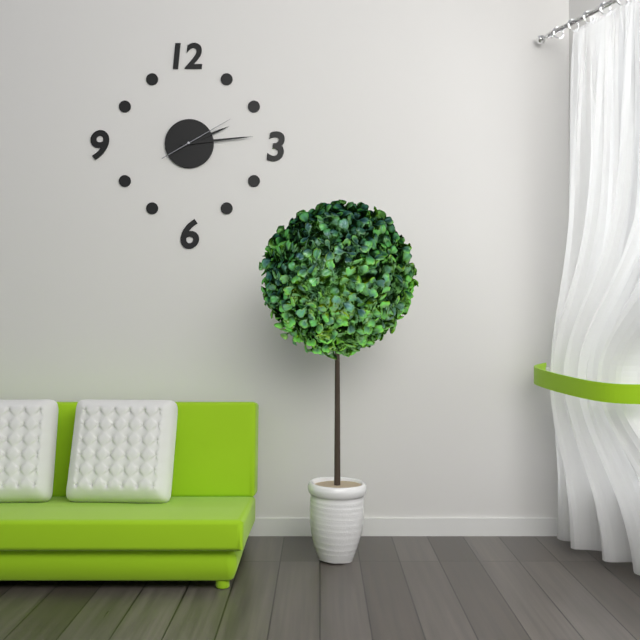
h=2 m=14 s=10
